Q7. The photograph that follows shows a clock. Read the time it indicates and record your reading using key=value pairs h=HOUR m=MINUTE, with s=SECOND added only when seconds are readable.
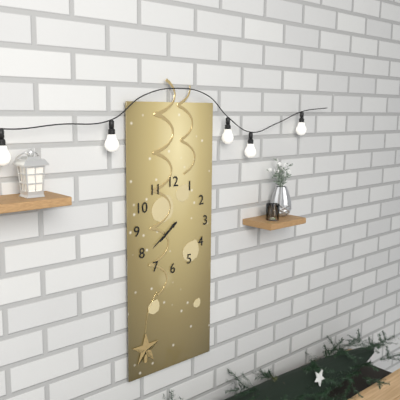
h=7 m=39
